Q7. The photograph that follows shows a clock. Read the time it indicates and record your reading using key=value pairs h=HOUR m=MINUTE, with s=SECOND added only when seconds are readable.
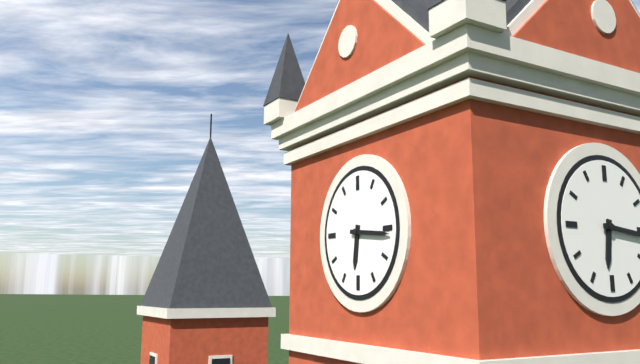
h=6 m=16
